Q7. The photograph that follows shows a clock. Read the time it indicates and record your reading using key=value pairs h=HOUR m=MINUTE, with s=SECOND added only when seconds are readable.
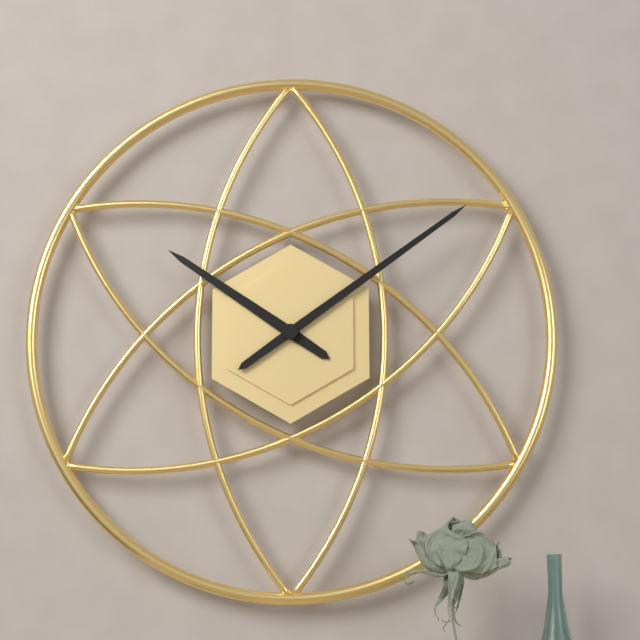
h=10 m=9
